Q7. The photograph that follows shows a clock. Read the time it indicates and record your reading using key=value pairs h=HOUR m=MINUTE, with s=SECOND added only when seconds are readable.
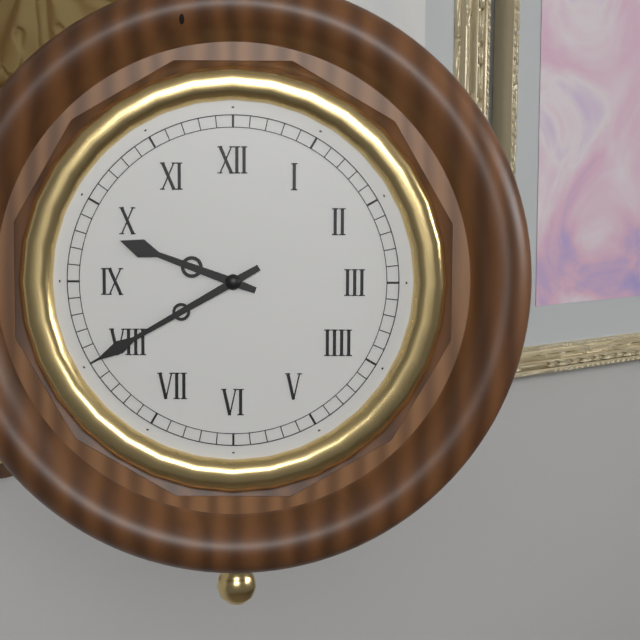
h=9 m=40
